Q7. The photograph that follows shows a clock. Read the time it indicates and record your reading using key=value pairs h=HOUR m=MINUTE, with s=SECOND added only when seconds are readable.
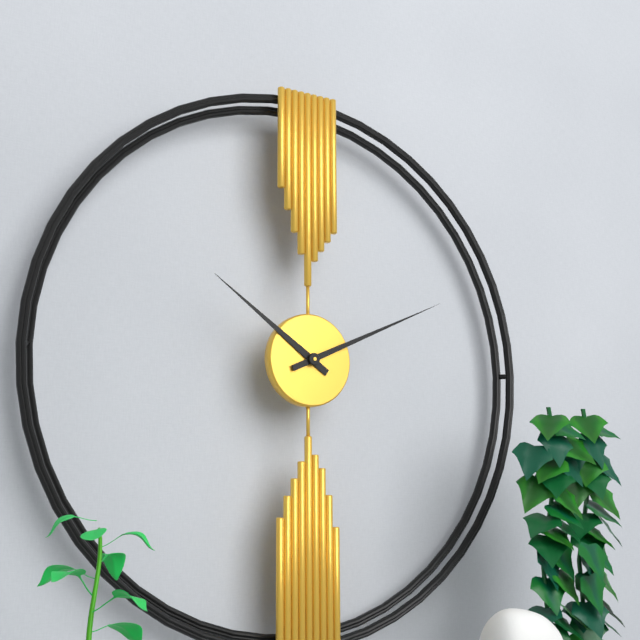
h=10 m=11
